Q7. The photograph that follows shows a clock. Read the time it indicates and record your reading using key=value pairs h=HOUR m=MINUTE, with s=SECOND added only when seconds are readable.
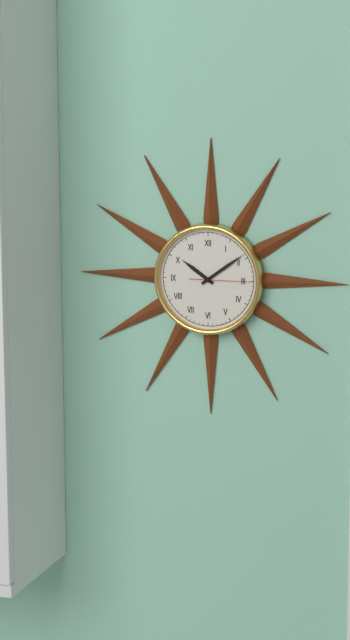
h=10 m=9 s=15
